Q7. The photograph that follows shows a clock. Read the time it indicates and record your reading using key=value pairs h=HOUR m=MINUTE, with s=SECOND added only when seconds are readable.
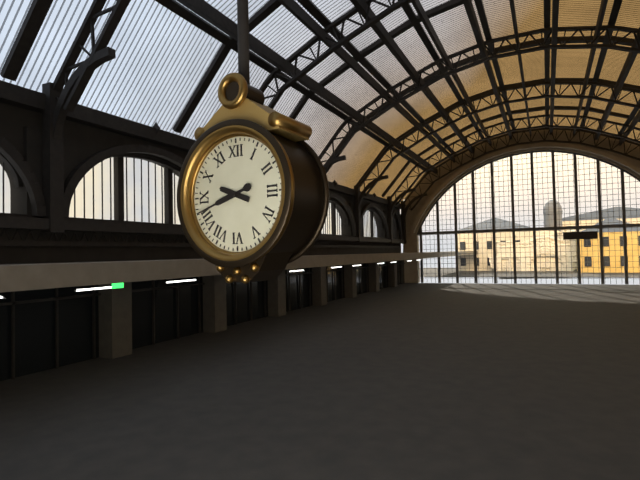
h=9 m=42
